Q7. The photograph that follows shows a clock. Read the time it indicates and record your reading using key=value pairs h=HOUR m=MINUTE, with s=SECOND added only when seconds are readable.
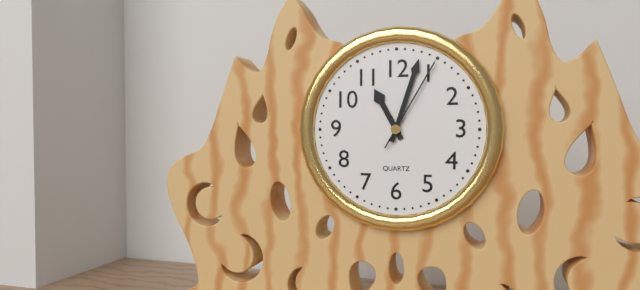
h=11 m=3 s=5
